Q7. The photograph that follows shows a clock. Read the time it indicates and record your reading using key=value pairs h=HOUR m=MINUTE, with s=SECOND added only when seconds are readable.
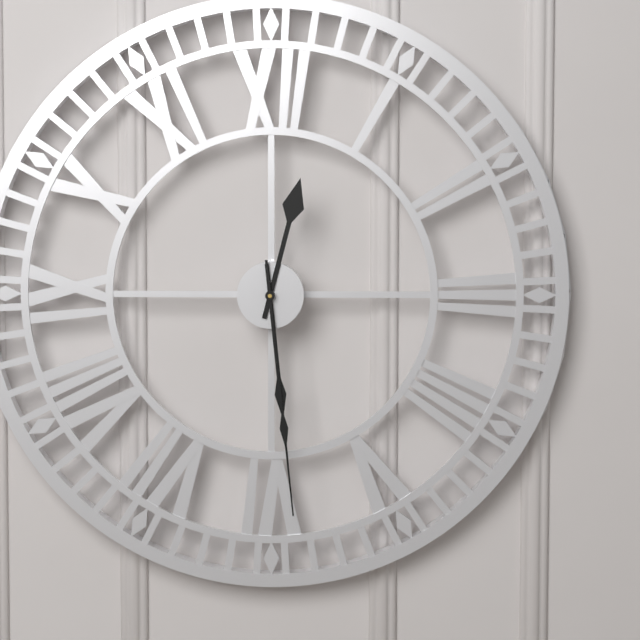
h=12 m=29 s=29
